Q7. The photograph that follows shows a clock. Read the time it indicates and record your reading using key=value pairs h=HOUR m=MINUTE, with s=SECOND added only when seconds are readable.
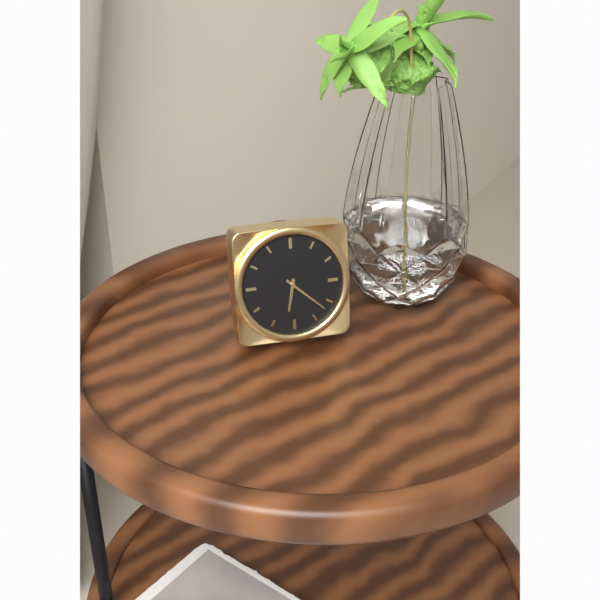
h=6 m=22
